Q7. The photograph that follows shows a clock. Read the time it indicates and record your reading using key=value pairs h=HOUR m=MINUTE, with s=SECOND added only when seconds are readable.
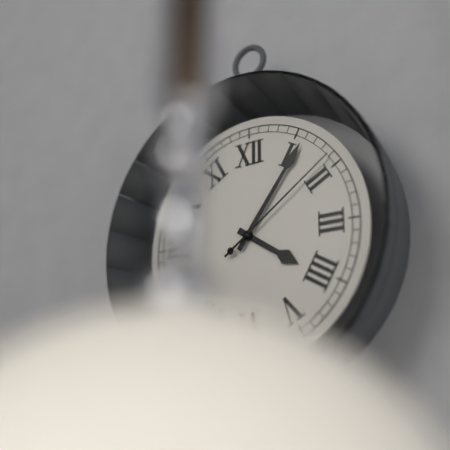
h=4 m=6 s=9
